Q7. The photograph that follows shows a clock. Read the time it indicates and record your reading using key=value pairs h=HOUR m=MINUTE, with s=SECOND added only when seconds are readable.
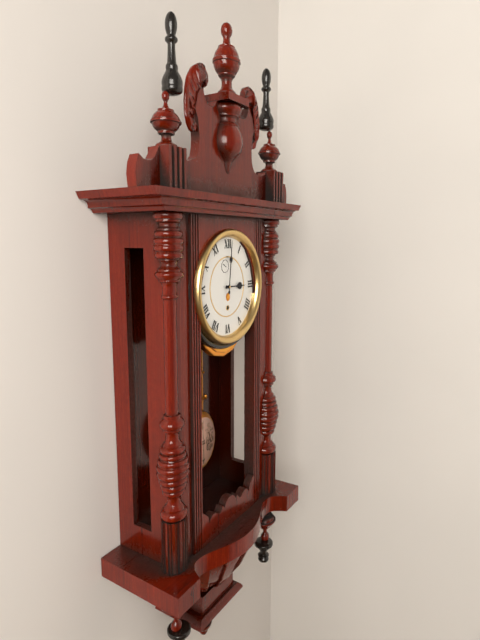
h=3 m=1
